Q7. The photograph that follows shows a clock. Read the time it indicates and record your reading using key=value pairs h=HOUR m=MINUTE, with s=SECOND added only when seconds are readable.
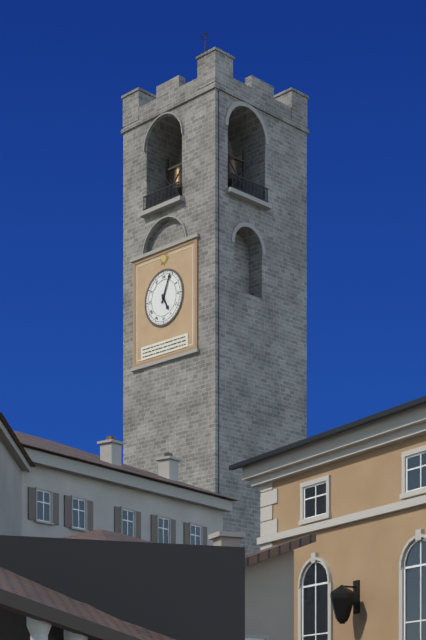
h=5 m=4
